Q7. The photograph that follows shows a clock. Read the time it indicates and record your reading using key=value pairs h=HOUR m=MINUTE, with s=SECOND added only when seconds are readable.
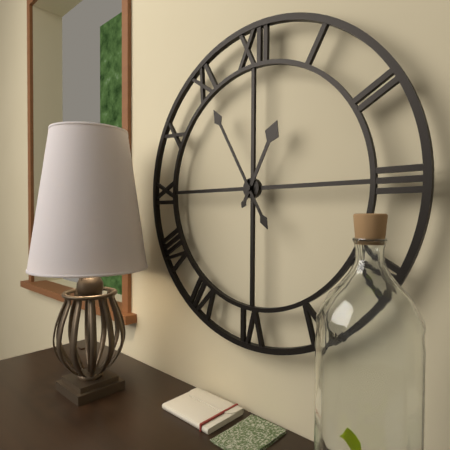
h=12 m=55
